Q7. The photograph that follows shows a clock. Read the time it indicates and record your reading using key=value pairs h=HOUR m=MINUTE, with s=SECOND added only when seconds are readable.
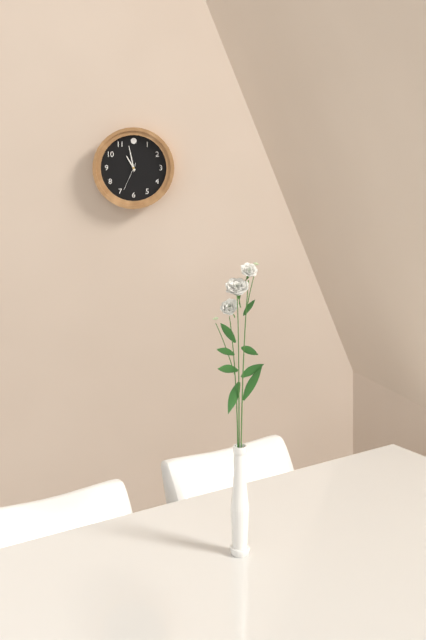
h=10 m=58
